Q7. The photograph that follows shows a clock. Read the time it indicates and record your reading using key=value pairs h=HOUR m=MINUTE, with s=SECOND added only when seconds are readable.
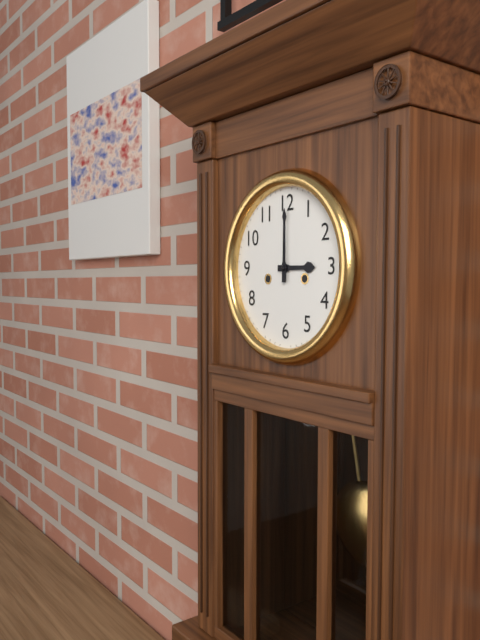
h=3 m=0
